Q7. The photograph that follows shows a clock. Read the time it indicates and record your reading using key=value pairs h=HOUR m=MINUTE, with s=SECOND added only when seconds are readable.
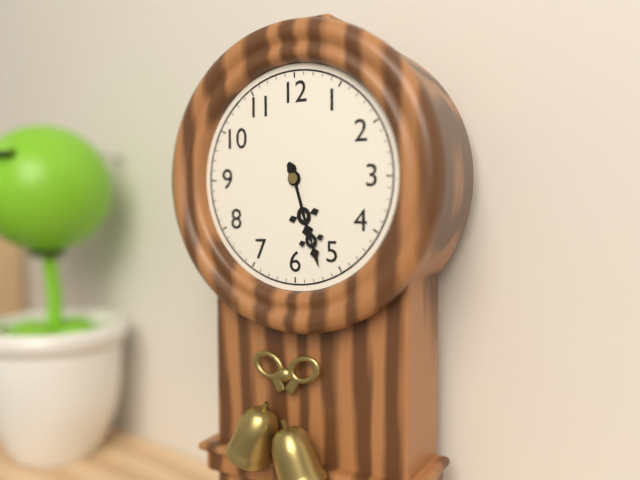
h=5 m=27
